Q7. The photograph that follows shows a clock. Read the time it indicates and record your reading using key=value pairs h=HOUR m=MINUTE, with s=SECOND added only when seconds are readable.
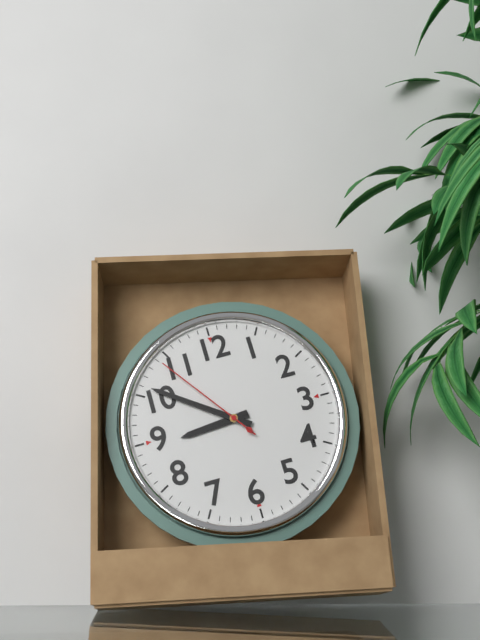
h=8 m=51 s=54
